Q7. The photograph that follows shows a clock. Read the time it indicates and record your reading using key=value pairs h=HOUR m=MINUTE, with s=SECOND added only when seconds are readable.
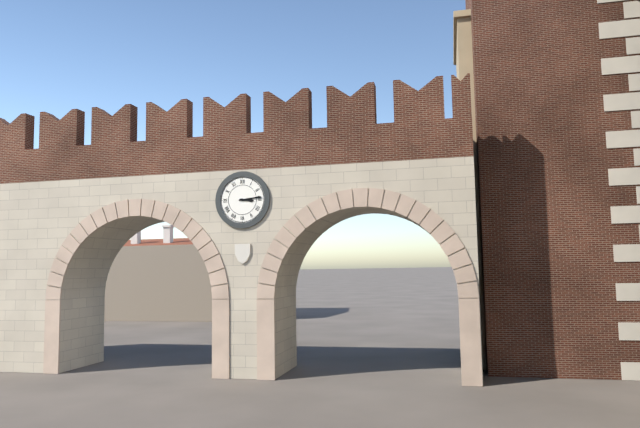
h=3 m=14
